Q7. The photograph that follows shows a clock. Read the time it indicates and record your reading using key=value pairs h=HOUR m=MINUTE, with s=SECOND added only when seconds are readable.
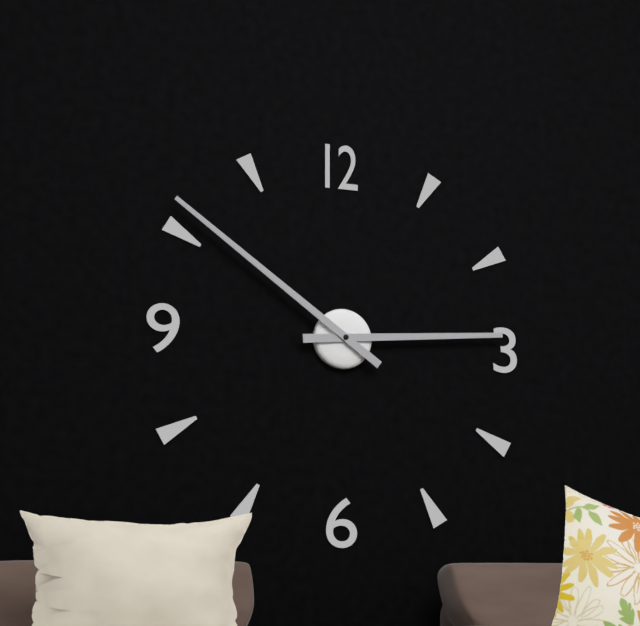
h=2 m=51
